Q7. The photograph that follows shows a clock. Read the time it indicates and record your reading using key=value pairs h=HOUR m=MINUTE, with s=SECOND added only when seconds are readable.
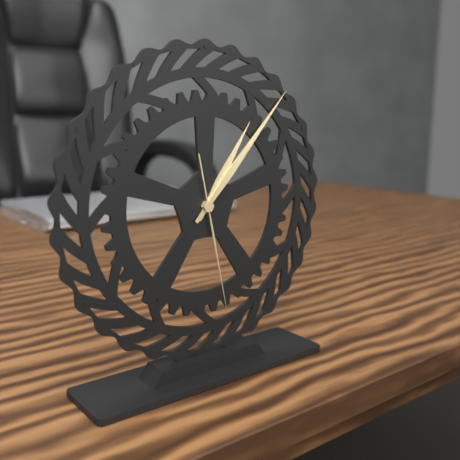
h=1 m=7 s=28
